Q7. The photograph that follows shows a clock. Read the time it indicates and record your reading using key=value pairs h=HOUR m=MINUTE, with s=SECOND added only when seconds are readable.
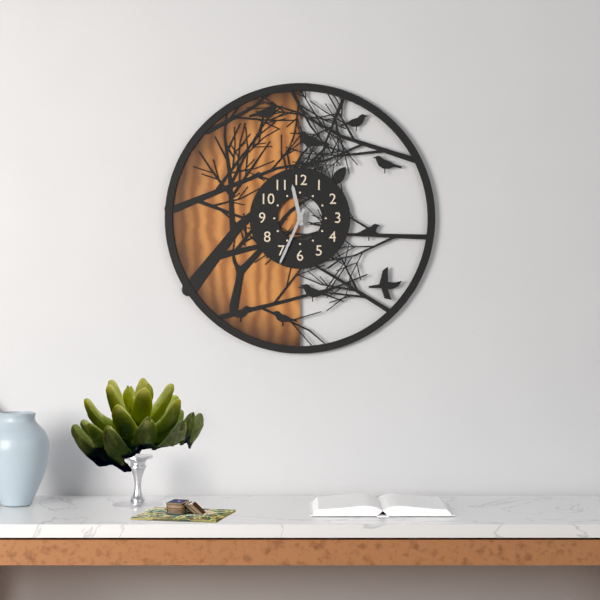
h=11 m=34
